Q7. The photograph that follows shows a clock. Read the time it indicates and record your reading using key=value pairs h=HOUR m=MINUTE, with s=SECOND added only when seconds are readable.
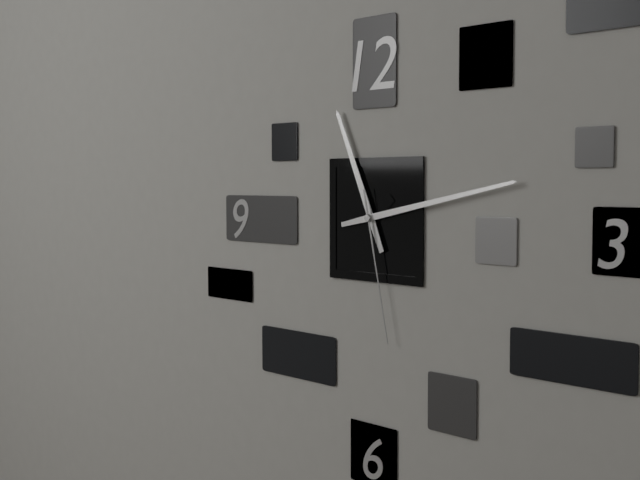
h=11 m=13 s=28
